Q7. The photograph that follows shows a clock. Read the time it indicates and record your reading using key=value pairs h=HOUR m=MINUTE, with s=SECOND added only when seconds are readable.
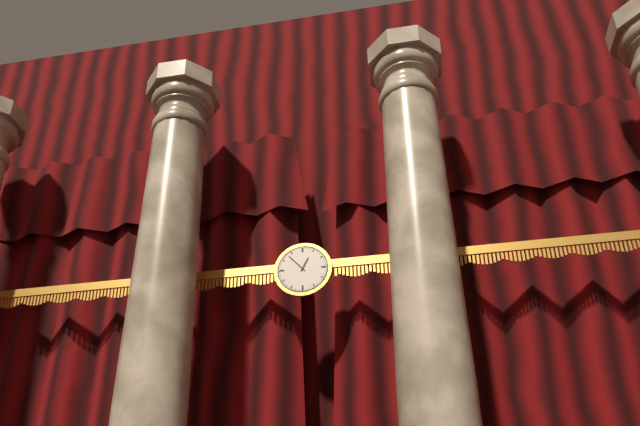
h=12 m=53
